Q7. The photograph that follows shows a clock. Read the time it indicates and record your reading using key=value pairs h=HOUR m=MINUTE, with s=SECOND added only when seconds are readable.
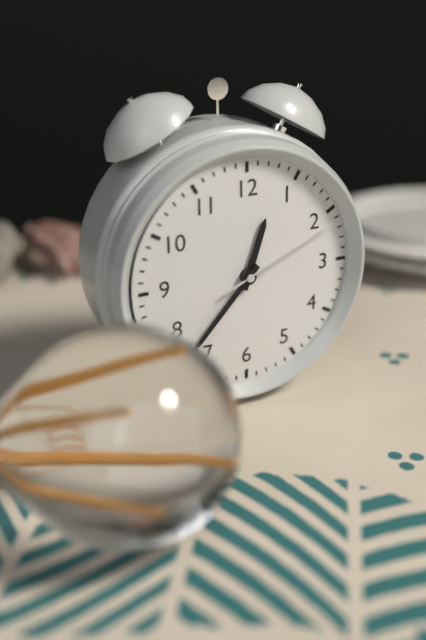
h=12 m=37 s=11
